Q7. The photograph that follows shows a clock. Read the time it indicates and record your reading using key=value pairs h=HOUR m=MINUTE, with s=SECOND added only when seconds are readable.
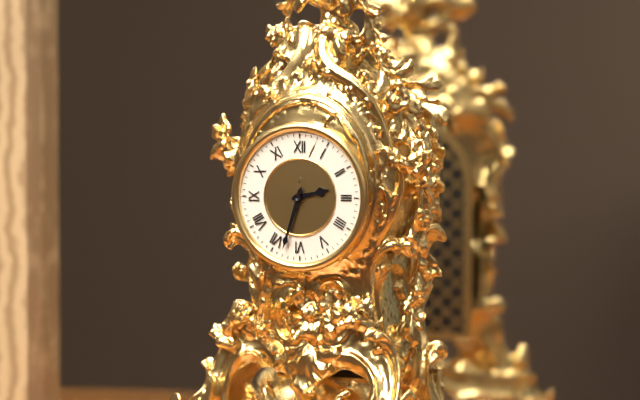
h=2 m=33
